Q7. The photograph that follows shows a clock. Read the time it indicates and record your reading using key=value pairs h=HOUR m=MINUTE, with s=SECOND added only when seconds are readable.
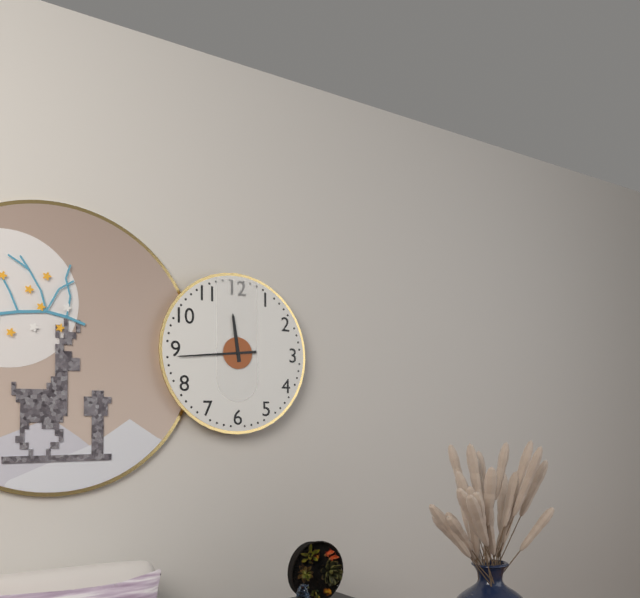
h=11 m=44
